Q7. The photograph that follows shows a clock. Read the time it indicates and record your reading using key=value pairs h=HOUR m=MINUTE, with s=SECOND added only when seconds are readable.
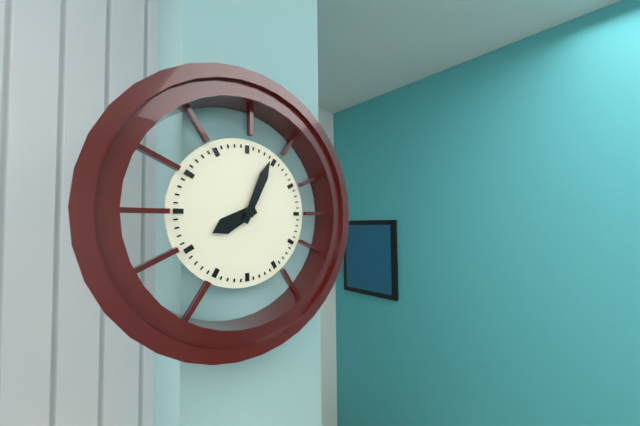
h=8 m=4
